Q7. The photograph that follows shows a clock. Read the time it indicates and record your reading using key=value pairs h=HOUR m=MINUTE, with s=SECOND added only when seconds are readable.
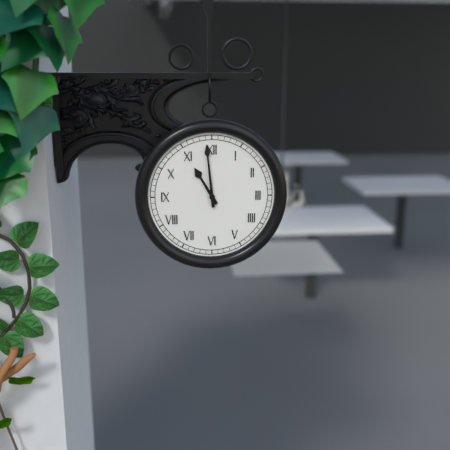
h=10 m=59
